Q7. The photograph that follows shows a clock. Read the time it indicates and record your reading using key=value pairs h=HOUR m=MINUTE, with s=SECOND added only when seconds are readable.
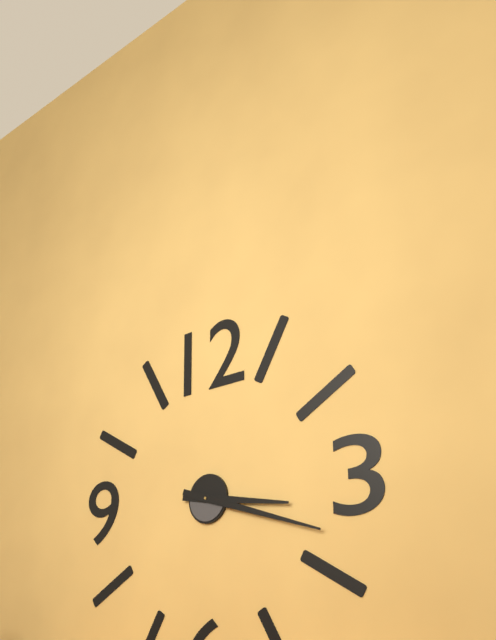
h=3 m=18
